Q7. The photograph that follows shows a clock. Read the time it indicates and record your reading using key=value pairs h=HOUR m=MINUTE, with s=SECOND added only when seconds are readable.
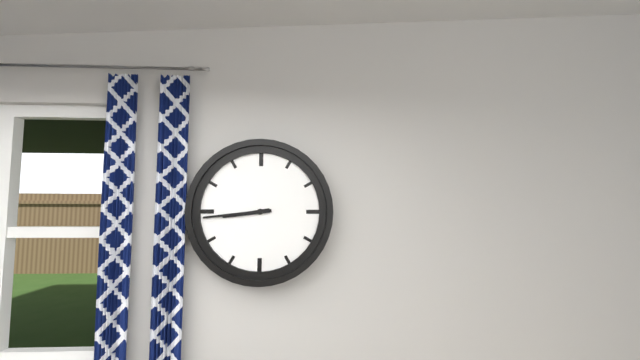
h=8 m=44
